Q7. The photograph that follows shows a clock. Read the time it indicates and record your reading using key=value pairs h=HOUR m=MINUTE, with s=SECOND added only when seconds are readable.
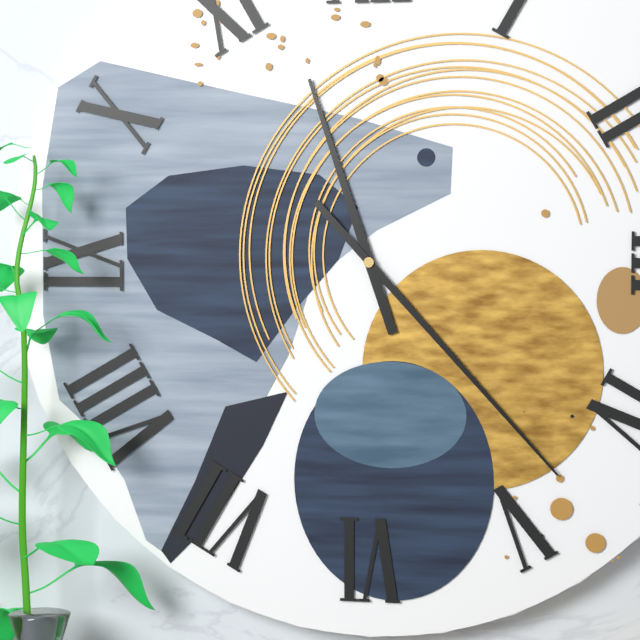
h=11 m=23
